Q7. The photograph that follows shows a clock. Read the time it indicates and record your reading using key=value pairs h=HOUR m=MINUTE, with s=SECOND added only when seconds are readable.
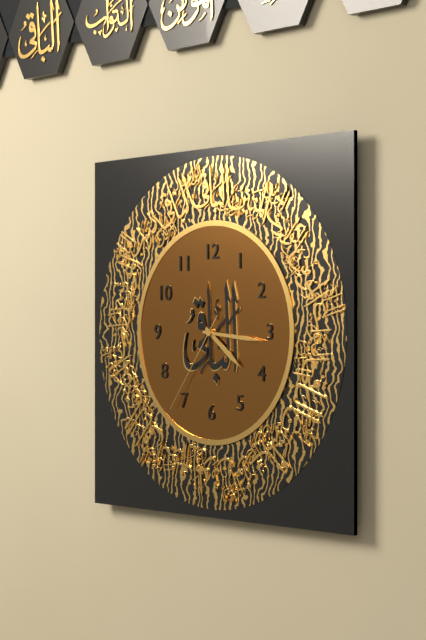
h=4 m=16 s=36
